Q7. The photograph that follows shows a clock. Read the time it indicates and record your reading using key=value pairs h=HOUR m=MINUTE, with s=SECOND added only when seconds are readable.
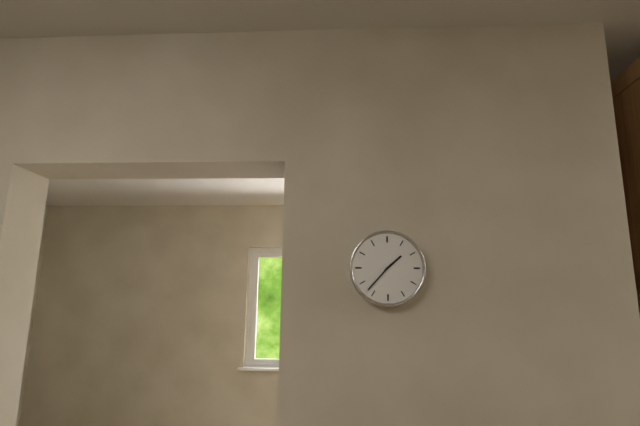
h=1 m=37
